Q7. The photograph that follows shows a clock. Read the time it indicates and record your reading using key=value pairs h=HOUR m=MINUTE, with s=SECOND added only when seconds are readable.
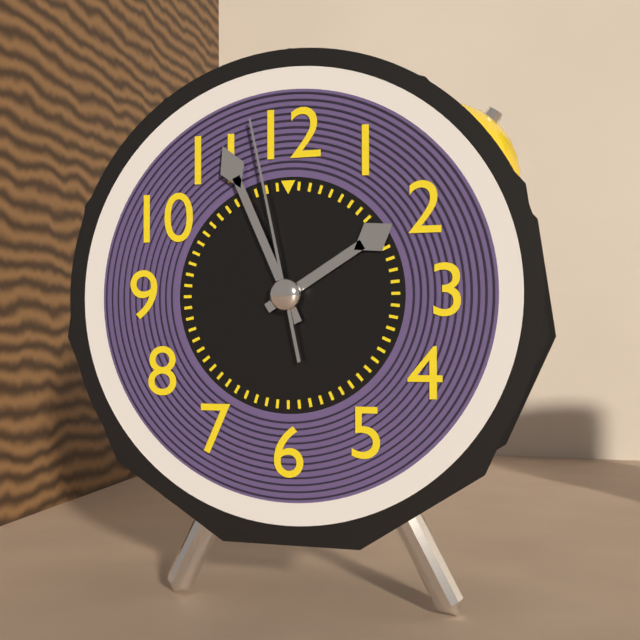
h=1 m=56 s=58
